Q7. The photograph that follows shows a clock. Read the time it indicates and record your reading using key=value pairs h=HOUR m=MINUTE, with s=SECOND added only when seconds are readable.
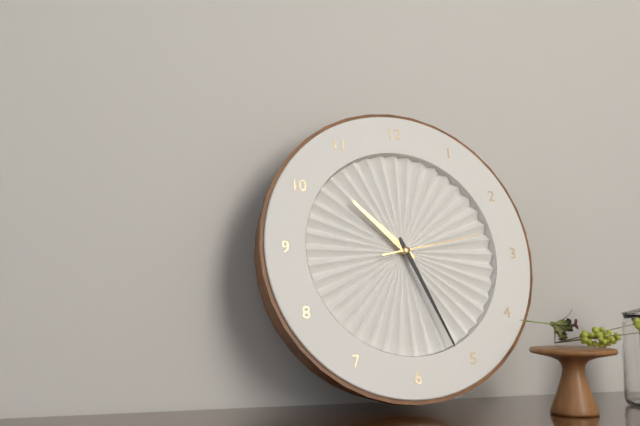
h=10 m=26 s=13
